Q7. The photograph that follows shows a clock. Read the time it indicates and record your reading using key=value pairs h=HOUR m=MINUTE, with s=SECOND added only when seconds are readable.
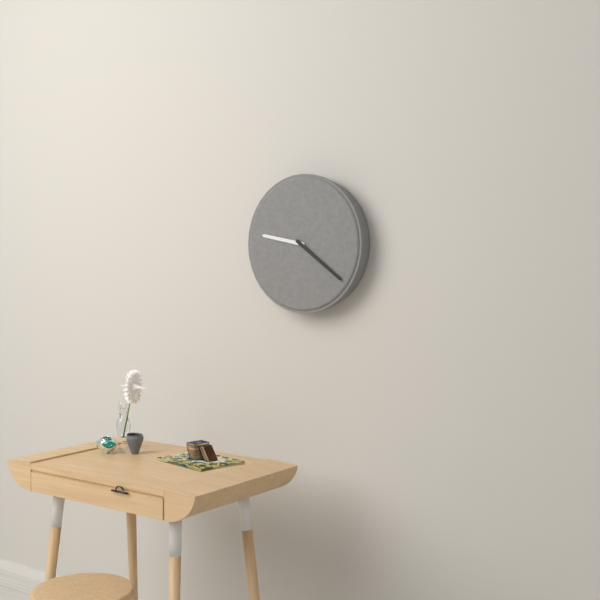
h=9 m=21
